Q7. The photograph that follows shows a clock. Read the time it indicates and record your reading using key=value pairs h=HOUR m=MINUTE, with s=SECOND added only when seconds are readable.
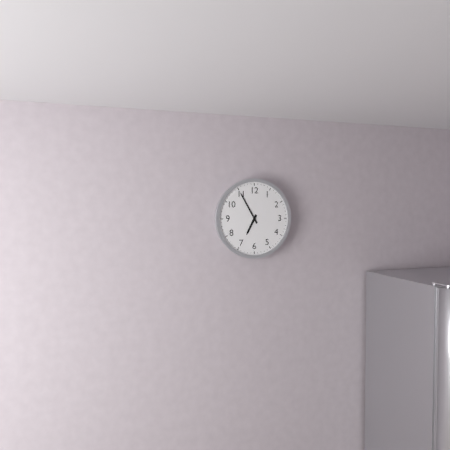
h=6 m=55
